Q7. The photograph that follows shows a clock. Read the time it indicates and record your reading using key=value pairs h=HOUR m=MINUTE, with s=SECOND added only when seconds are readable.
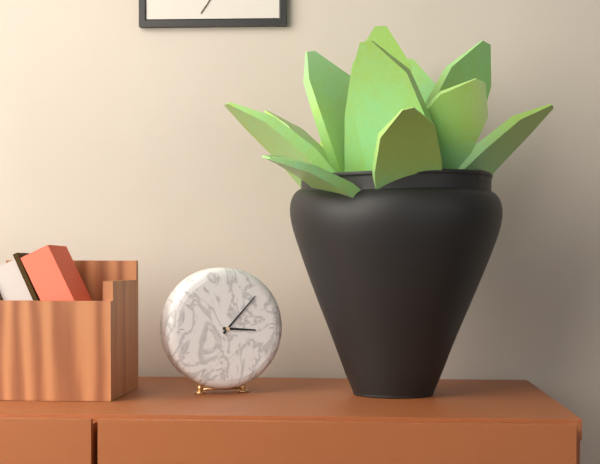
h=3 m=7
